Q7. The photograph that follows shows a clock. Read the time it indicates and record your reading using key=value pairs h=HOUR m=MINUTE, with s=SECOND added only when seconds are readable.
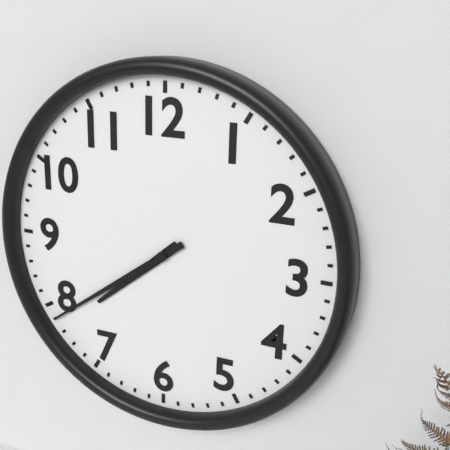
h=7 m=39
